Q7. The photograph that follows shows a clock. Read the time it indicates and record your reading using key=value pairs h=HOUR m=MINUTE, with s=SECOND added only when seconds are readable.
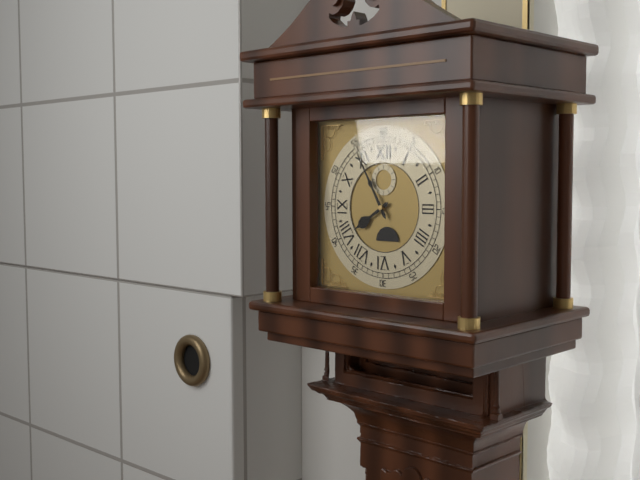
h=7 m=55
